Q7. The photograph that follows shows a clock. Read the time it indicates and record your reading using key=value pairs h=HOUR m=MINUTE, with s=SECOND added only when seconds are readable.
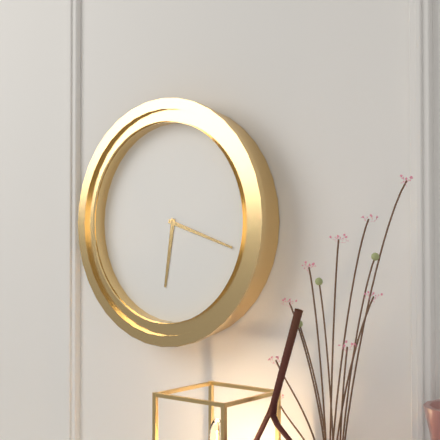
h=6 m=18
